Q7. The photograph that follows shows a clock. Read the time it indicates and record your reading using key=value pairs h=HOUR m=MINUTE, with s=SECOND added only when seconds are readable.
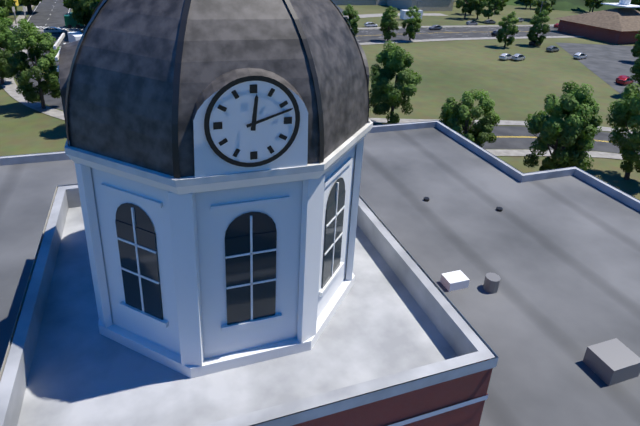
h=12 m=12
